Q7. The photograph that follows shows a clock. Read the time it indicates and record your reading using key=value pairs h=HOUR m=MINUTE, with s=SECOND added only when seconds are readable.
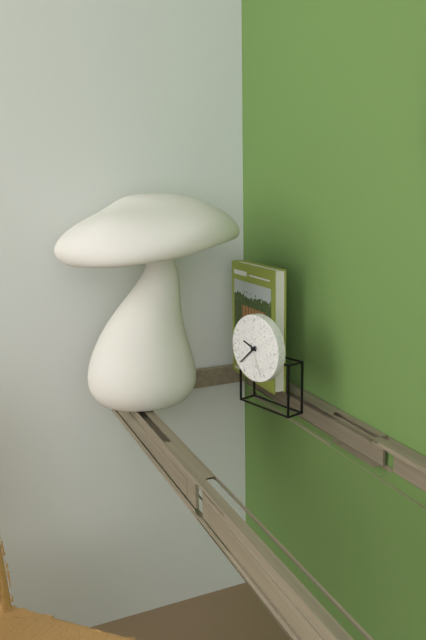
h=9 m=38
